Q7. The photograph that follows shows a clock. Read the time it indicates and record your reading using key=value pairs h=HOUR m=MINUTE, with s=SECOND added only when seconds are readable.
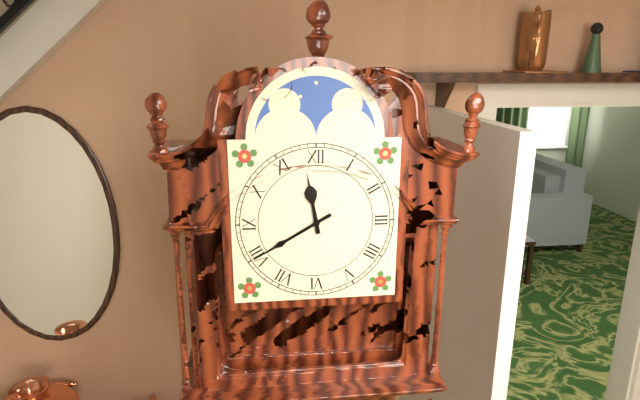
h=11 m=40
